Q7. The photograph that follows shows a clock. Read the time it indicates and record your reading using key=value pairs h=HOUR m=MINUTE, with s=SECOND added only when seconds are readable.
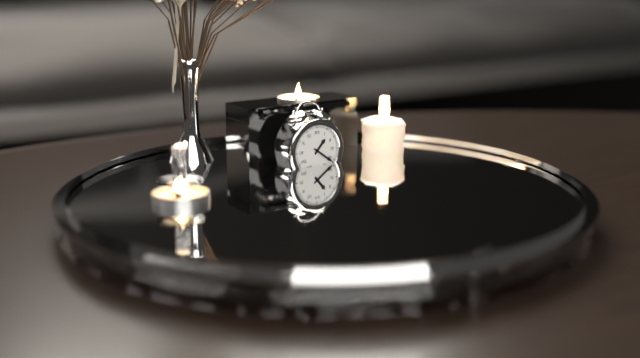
h=1 m=21
